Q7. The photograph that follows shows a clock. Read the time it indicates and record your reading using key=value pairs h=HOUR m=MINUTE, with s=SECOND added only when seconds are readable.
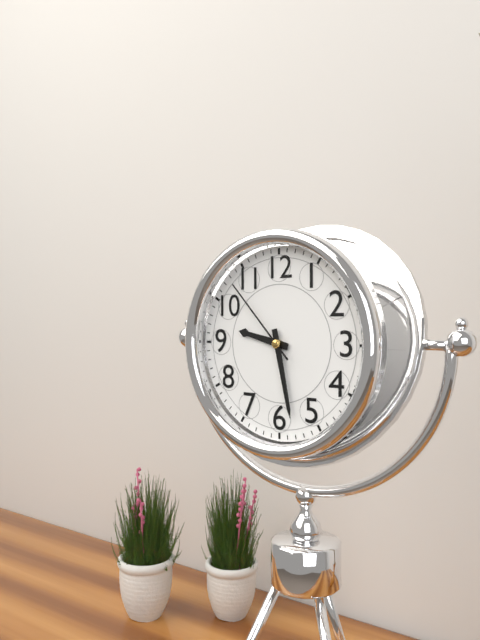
h=9 m=28 s=53
